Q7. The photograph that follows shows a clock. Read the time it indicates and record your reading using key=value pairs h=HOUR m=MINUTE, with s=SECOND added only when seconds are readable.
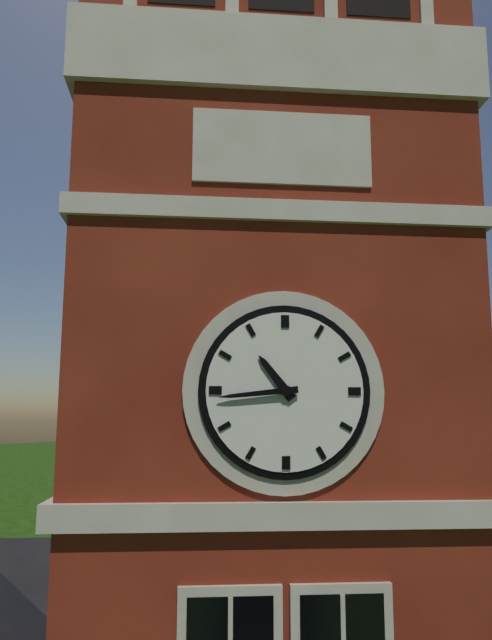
h=10 m=44
